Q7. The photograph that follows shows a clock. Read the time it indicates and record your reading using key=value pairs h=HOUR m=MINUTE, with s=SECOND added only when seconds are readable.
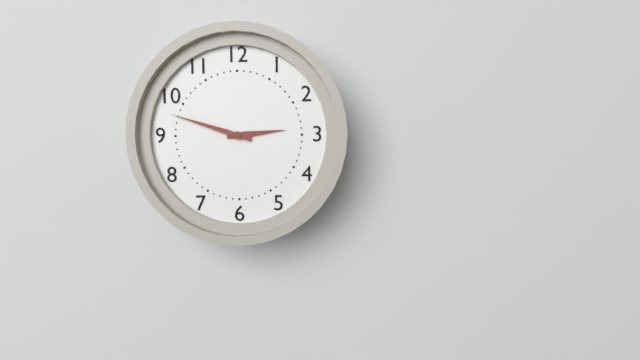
h=2 m=48
